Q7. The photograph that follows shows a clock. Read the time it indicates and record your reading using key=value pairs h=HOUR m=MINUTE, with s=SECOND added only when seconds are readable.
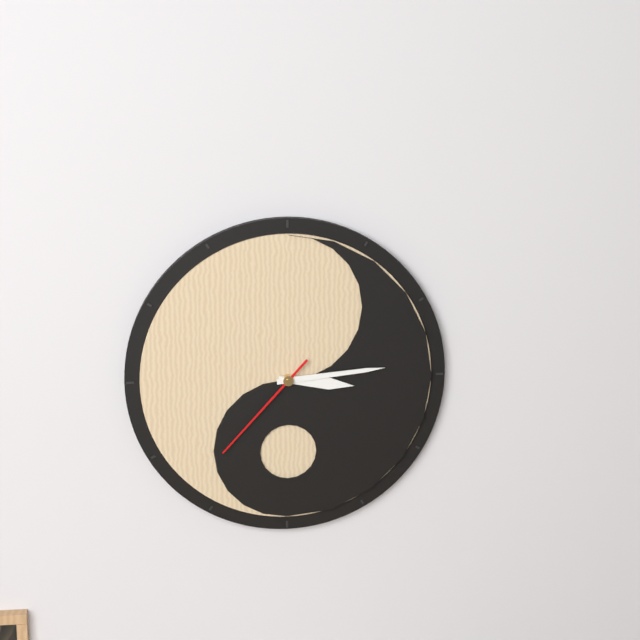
h=3 m=14 s=37
